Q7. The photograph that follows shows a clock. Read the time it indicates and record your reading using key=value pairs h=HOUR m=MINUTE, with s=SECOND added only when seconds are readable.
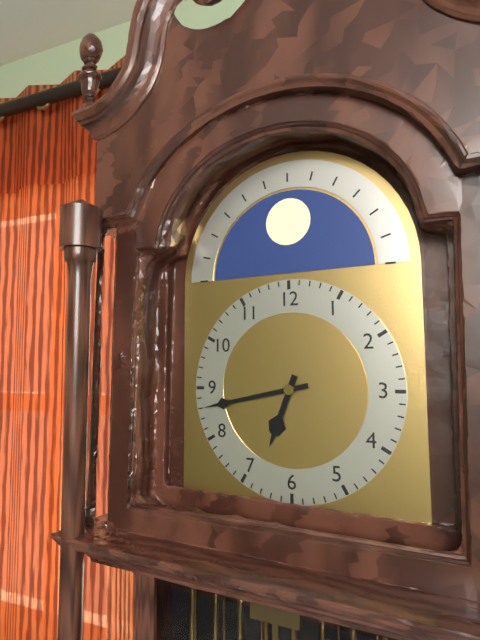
h=6 m=43
